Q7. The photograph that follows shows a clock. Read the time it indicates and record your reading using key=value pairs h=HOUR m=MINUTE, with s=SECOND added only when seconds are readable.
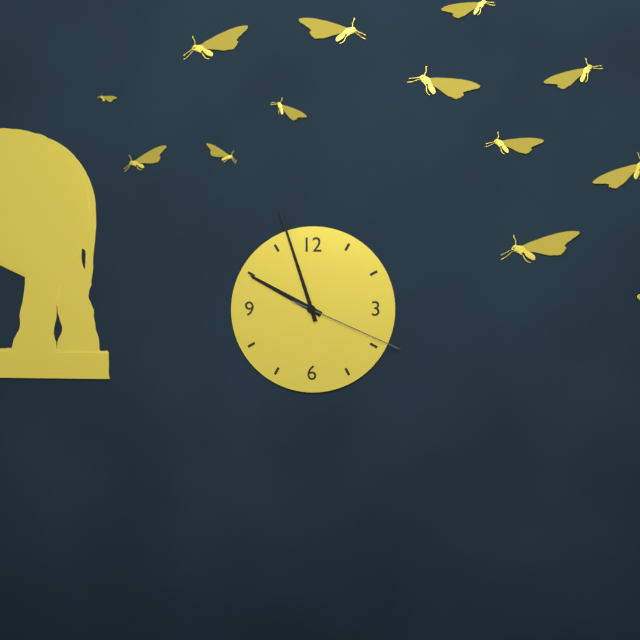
h=9 m=57 s=19
